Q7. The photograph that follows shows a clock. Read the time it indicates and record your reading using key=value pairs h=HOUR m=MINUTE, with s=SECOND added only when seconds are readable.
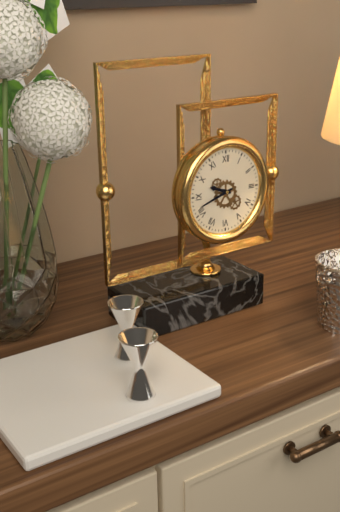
h=9 m=42
